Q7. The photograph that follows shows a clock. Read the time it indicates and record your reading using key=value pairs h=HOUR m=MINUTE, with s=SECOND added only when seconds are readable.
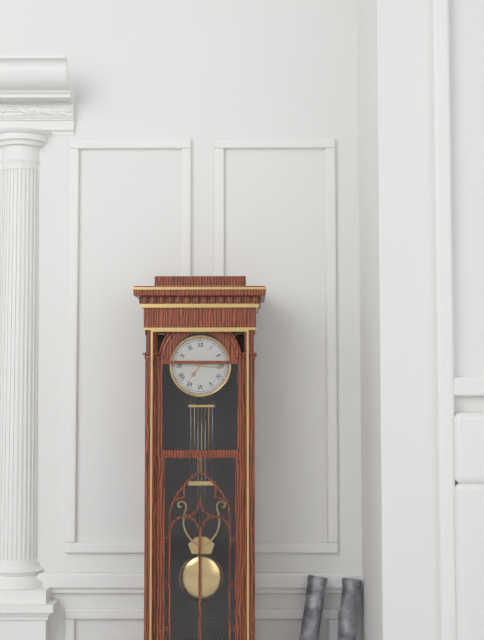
h=7 m=16
